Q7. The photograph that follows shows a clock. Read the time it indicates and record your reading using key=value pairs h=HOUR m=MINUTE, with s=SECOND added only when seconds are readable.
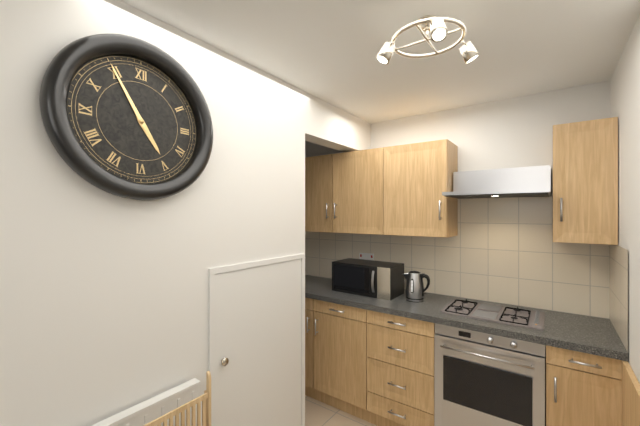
h=4 m=55
